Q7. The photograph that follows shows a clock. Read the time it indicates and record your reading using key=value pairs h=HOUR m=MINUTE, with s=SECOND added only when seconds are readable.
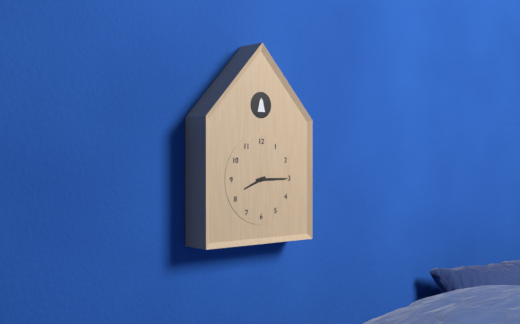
h=8 m=15
